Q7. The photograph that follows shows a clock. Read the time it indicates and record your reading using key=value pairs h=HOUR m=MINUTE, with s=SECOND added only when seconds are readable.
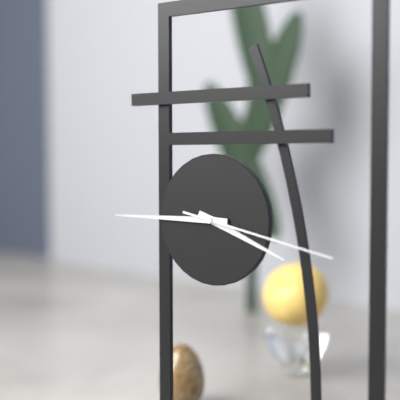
h=3 m=45 s=17
